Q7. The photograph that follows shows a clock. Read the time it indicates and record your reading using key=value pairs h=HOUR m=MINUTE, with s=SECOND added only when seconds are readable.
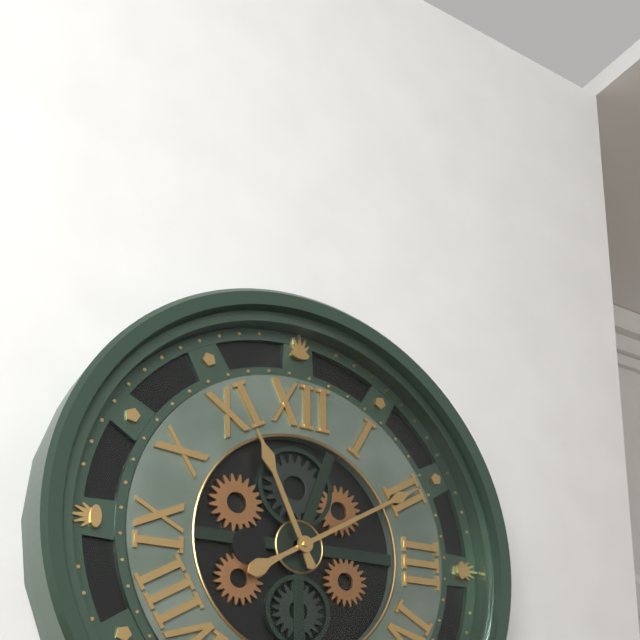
h=11 m=10
